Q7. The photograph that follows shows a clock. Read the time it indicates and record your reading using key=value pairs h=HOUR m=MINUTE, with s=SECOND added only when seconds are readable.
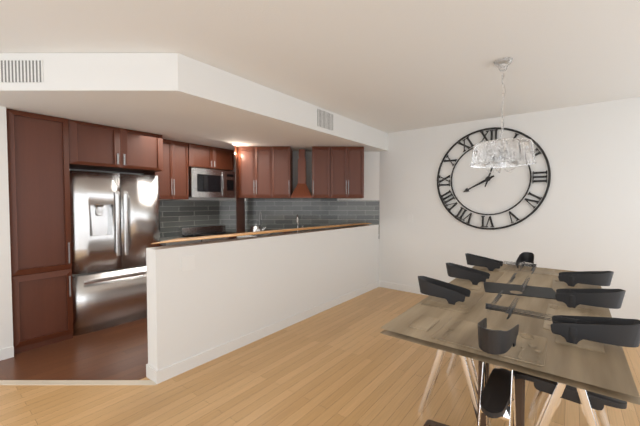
h=8 m=3
